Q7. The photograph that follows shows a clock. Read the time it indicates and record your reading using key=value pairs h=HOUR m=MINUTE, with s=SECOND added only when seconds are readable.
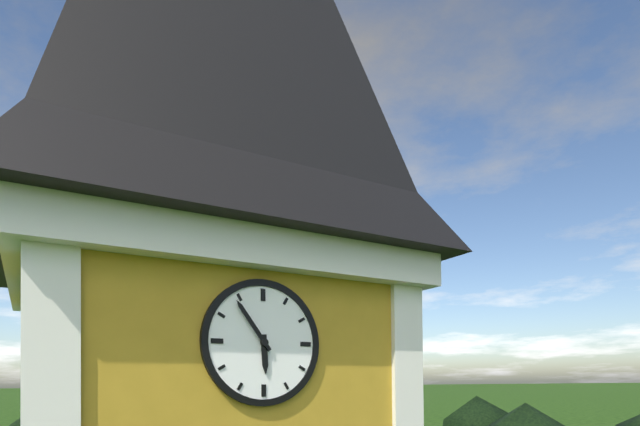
h=5 m=54
